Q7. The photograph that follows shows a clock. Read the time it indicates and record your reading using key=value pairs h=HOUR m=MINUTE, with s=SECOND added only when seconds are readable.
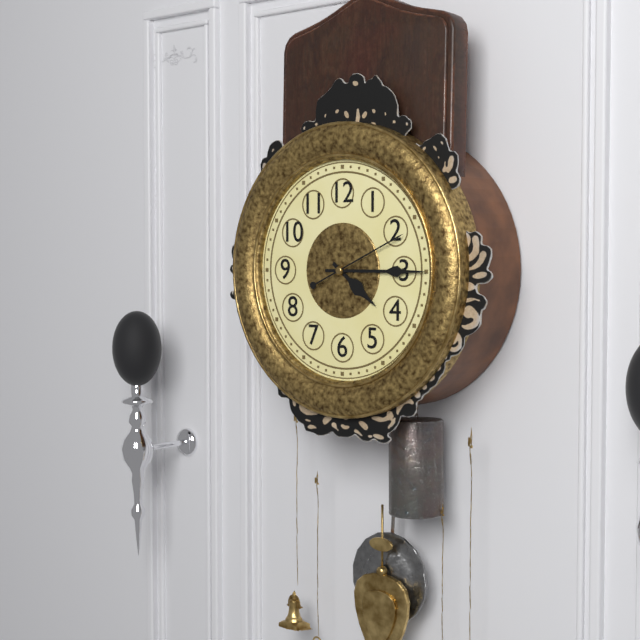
h=4 m=15 s=11
